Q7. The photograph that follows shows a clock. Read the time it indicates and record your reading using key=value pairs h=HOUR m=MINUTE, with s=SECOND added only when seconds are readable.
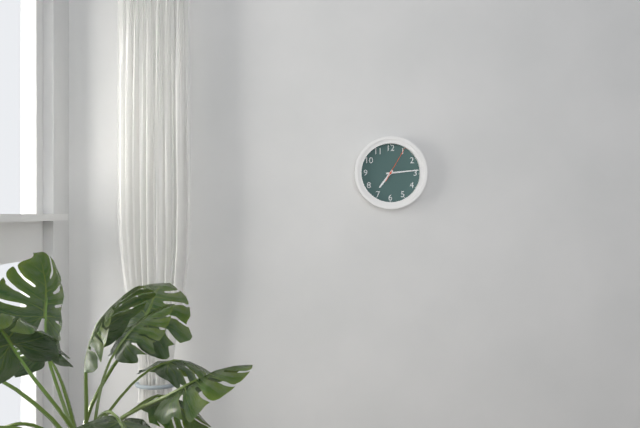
h=7 m=14
